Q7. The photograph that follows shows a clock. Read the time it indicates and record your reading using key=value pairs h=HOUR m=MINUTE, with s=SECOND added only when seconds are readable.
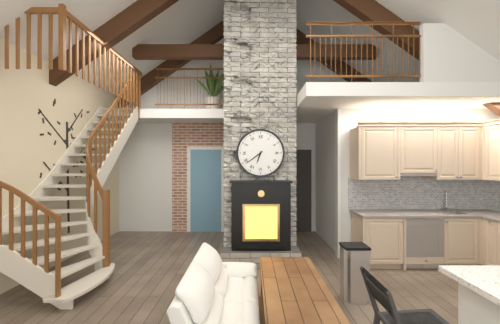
h=6 m=39
